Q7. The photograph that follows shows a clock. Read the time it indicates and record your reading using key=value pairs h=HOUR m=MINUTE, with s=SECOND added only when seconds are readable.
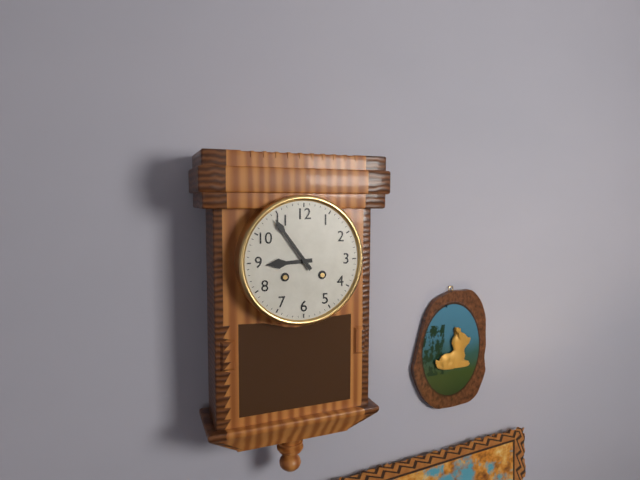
h=8 m=54
